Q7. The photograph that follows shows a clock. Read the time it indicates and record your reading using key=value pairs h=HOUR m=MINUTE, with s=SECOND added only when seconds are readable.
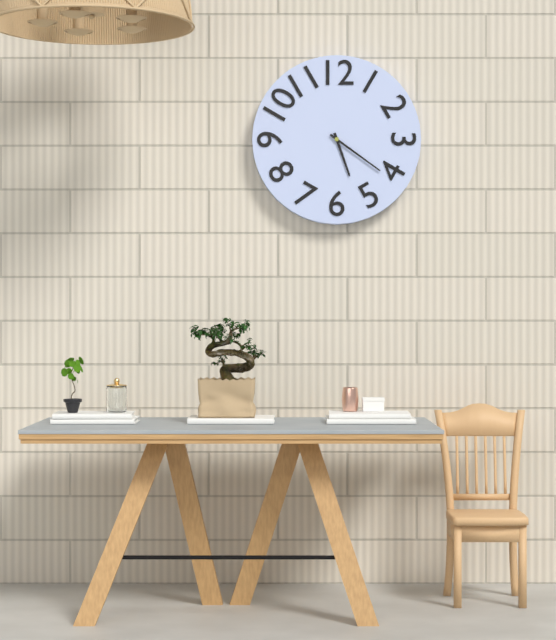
h=5 m=21
